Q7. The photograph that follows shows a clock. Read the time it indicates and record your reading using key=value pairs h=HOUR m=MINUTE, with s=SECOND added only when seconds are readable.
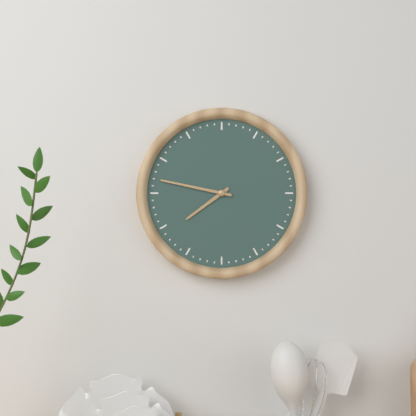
h=7 m=47
